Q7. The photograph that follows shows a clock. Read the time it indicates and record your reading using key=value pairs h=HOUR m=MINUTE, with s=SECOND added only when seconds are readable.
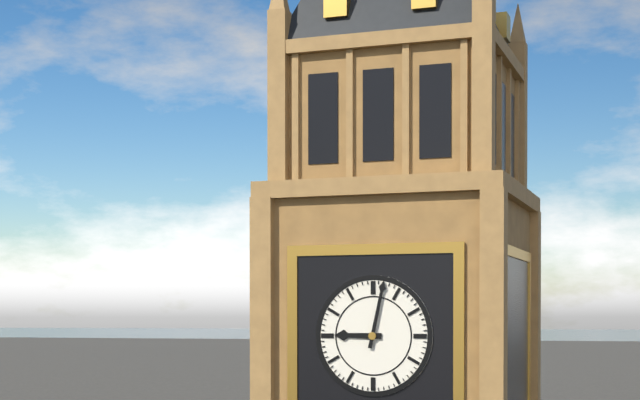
h=9 m=2
